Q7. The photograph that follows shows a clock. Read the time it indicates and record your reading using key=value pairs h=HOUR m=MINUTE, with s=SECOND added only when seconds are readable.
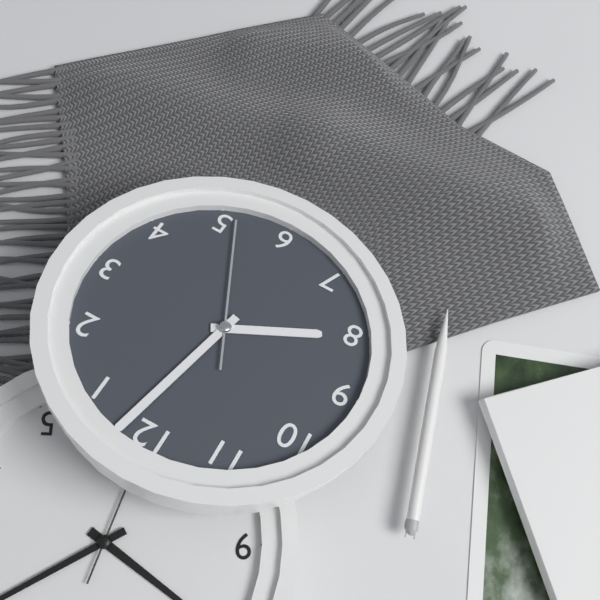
h=8 m=2 s=26
